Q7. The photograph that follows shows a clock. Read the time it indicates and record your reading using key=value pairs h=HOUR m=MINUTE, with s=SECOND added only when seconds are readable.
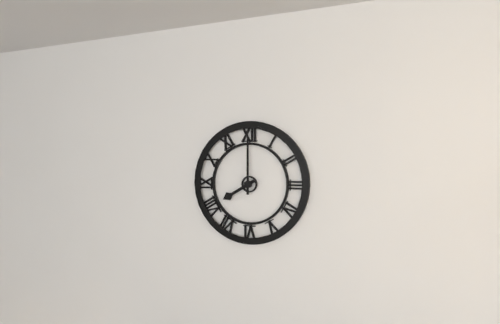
h=8 m=0
